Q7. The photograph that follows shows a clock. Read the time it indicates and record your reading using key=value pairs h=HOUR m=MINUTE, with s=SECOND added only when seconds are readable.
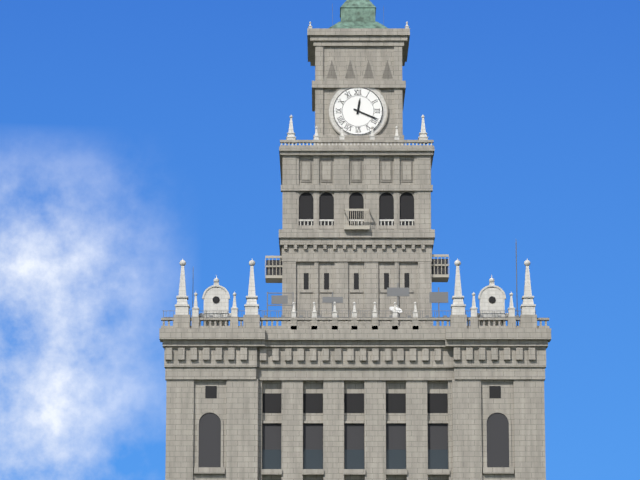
h=12 m=19
